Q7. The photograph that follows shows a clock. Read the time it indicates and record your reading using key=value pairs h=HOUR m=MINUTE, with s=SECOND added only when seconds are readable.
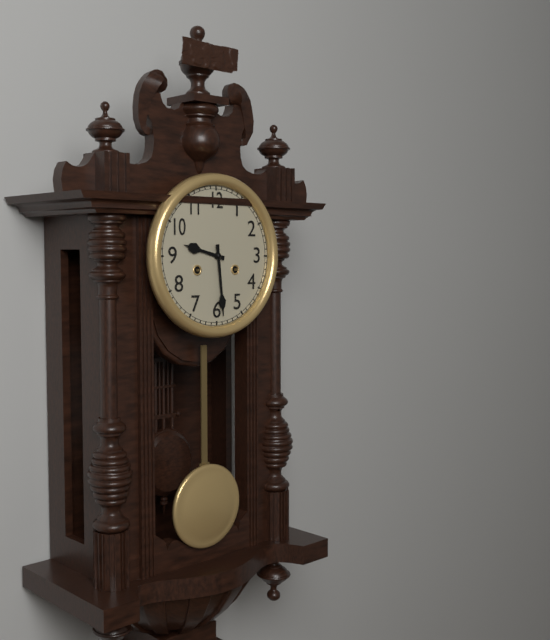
h=9 m=29
